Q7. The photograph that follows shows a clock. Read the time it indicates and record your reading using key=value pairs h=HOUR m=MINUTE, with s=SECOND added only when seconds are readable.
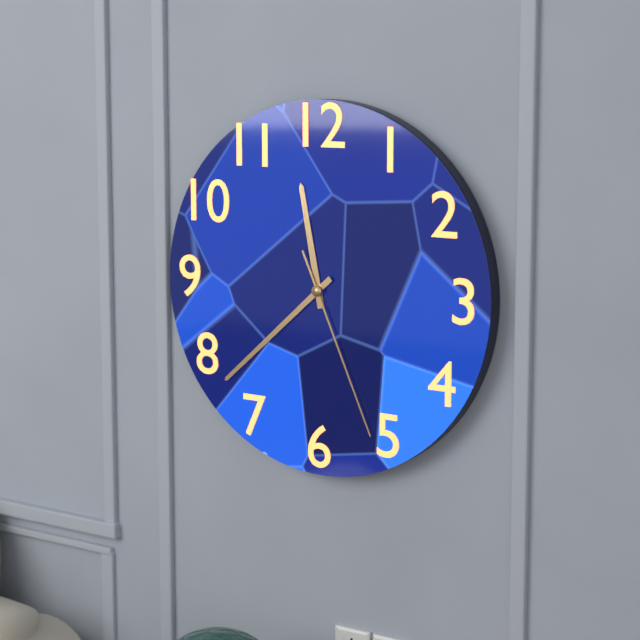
h=11 m=38 s=26
